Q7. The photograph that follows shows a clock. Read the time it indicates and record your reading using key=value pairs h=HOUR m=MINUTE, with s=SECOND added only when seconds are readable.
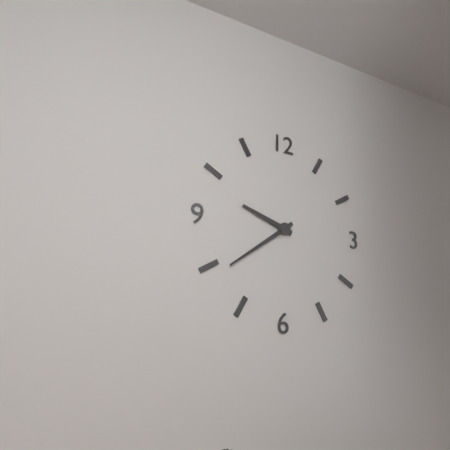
h=9 m=39
